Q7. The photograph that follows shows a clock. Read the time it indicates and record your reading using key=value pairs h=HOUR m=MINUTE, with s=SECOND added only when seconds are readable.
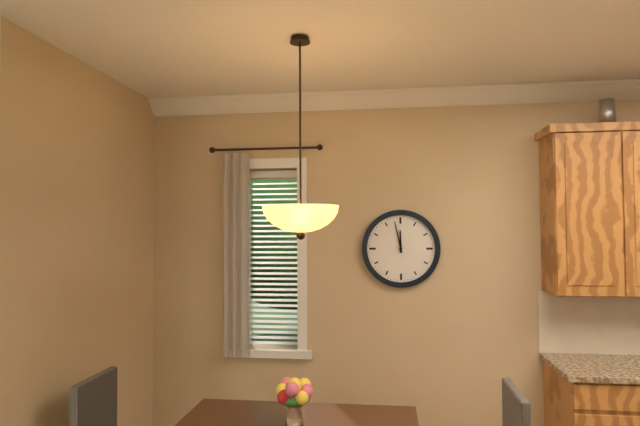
h=11 m=58
